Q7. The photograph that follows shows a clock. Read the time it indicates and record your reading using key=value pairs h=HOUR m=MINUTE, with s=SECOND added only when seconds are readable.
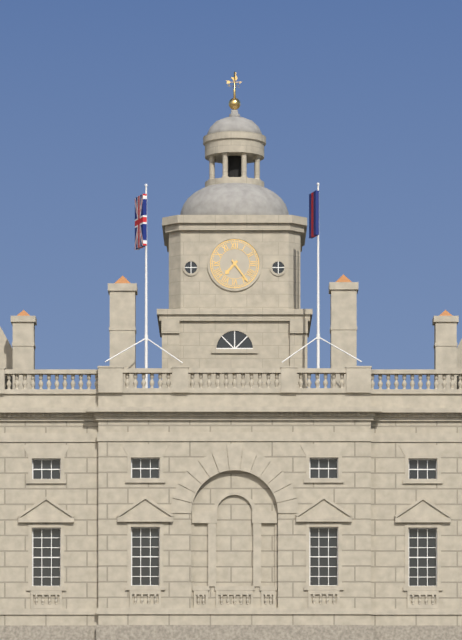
h=7 m=24
